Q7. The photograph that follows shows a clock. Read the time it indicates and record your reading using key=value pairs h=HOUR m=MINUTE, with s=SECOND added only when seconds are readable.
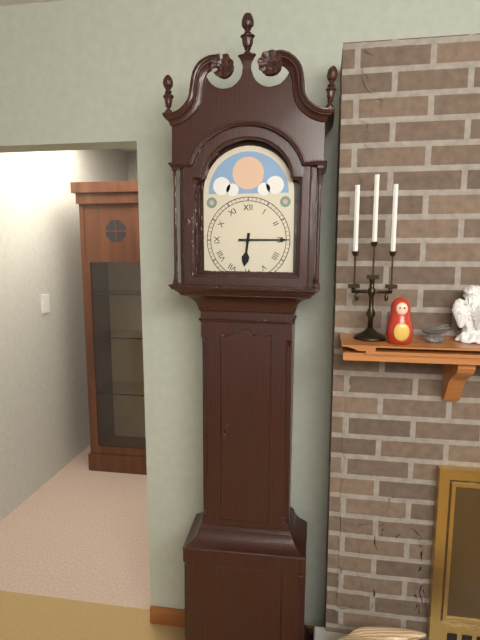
h=6 m=15
